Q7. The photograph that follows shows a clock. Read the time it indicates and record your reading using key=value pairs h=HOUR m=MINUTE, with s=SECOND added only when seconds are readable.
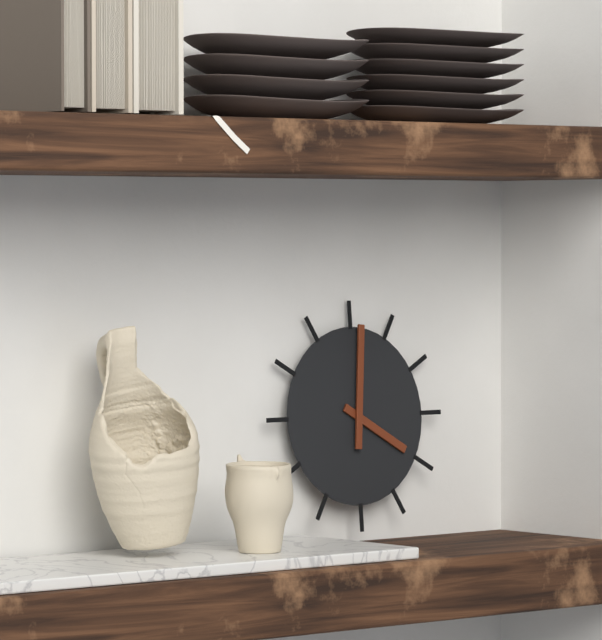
h=4 m=1
